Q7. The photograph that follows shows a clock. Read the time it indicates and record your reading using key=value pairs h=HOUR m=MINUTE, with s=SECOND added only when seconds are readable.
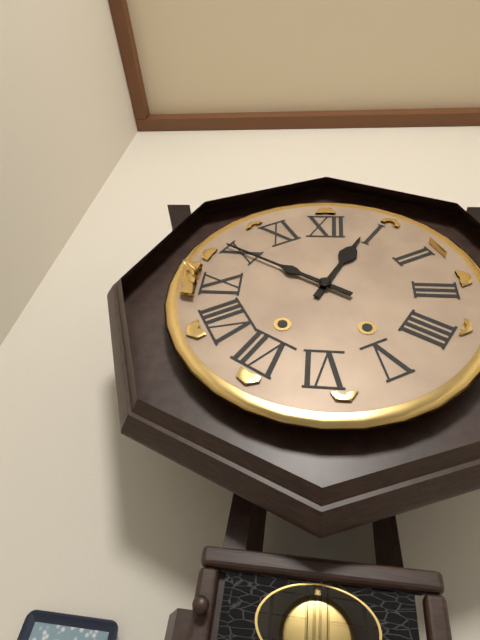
h=12 m=50
